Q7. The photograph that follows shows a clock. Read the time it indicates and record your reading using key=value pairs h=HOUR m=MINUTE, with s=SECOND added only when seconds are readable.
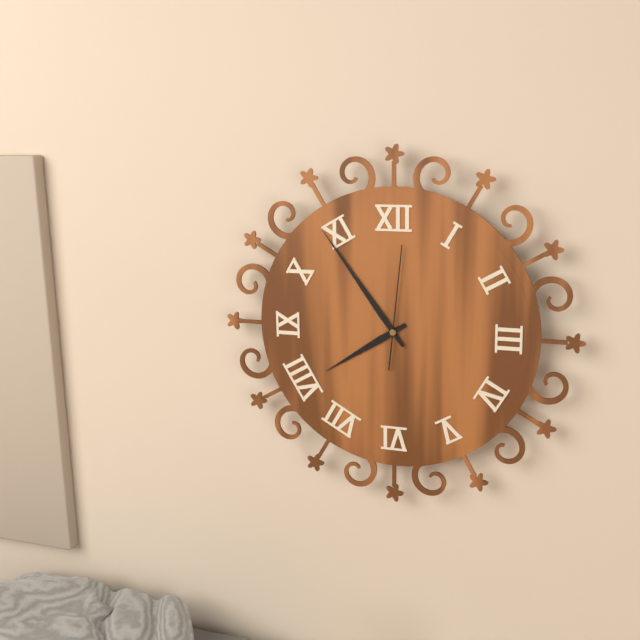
h=7 m=54 s=1
